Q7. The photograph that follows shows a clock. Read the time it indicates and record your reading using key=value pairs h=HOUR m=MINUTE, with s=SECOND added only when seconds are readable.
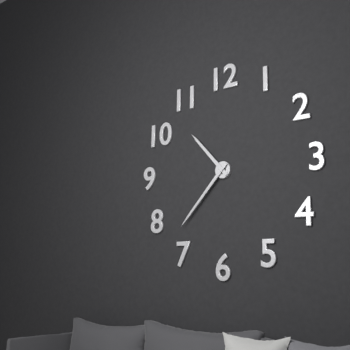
h=10 m=37
